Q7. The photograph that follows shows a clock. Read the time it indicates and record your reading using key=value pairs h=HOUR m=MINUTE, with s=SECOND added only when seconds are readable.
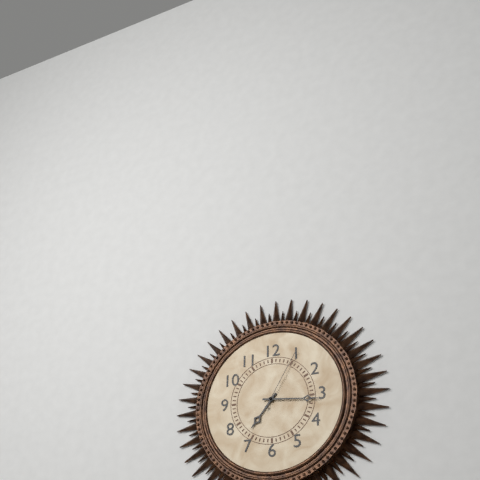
h=7 m=16 s=5
